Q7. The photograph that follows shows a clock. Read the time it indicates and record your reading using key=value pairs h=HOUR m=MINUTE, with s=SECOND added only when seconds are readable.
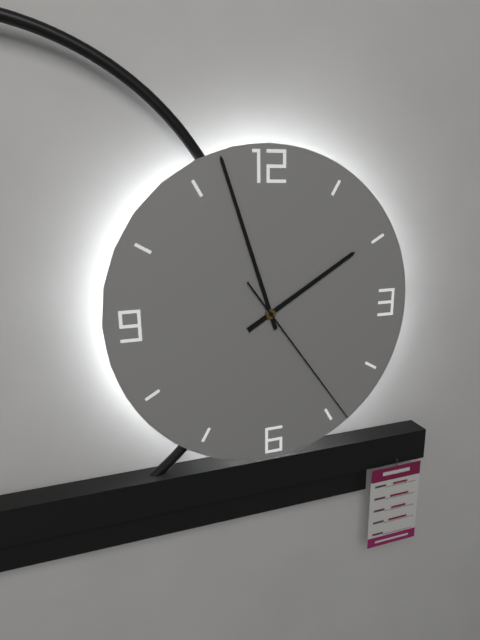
h=1 m=57 s=24
